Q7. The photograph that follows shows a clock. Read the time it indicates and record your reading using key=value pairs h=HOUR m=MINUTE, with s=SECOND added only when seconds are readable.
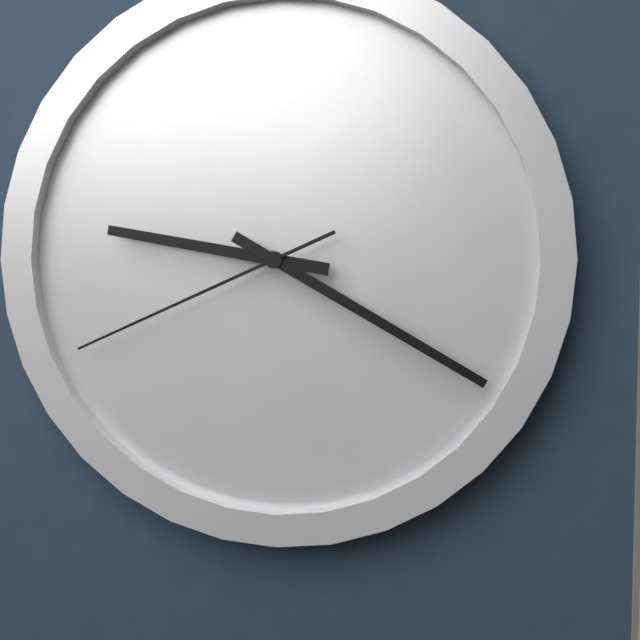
h=9 m=20 s=41
